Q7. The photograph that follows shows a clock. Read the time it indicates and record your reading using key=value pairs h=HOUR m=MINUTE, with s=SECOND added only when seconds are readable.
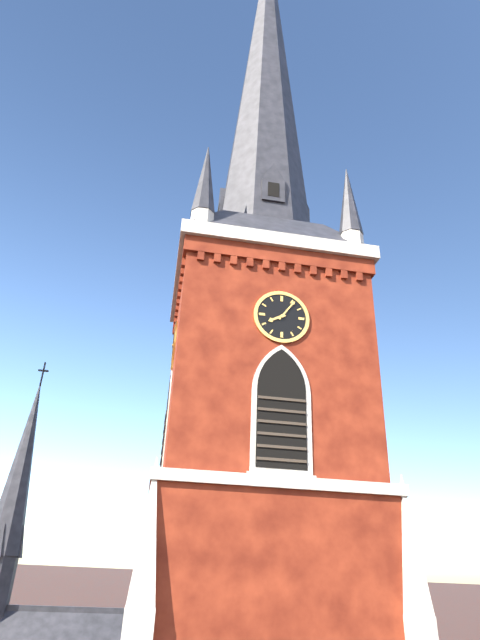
h=8 m=6
